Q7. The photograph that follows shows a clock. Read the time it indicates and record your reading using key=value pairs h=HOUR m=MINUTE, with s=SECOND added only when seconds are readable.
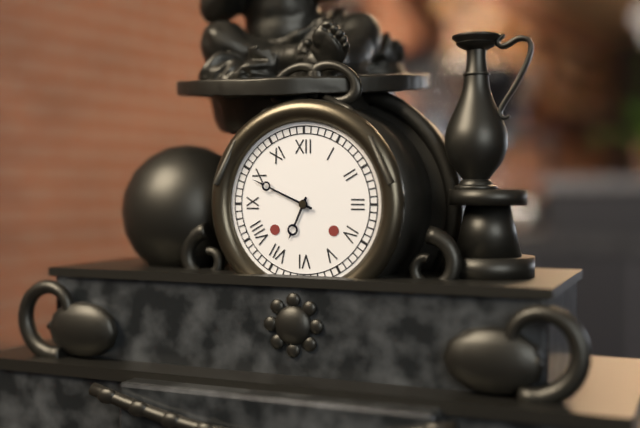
h=6 m=49
